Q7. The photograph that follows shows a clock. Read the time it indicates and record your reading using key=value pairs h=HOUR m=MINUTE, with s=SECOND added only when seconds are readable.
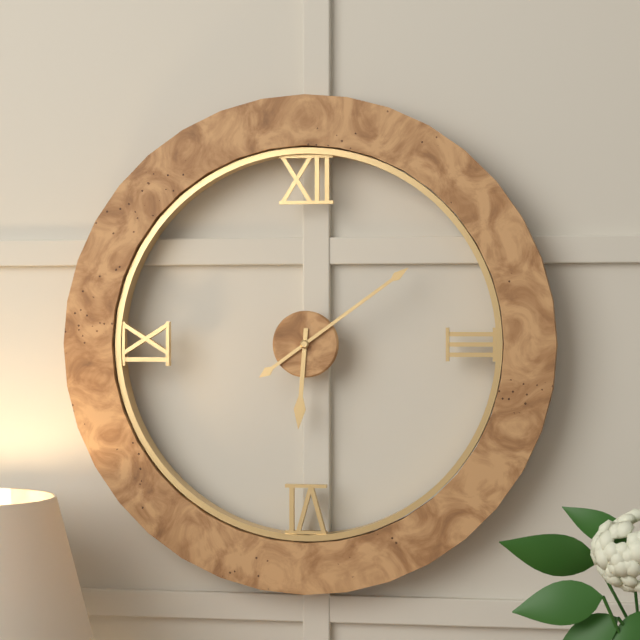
h=6 m=9
